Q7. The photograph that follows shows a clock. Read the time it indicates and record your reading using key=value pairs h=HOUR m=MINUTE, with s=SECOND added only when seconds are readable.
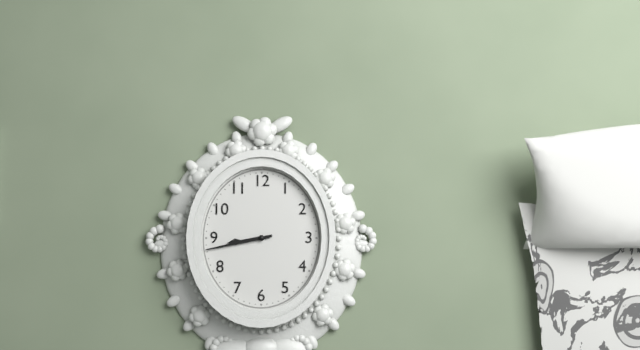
h=8 m=43
